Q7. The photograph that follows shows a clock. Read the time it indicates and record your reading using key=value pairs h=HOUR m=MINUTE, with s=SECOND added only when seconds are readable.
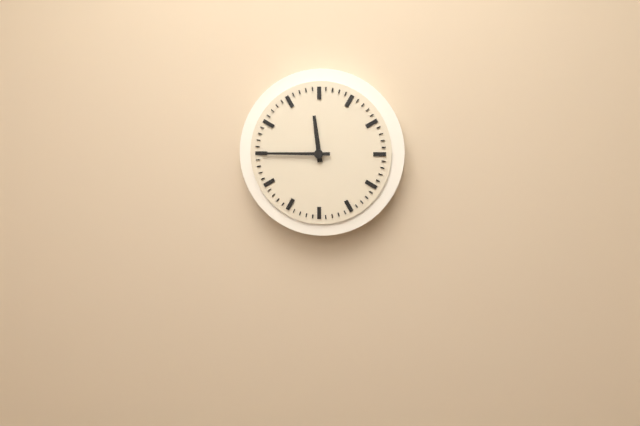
h=11 m=45
